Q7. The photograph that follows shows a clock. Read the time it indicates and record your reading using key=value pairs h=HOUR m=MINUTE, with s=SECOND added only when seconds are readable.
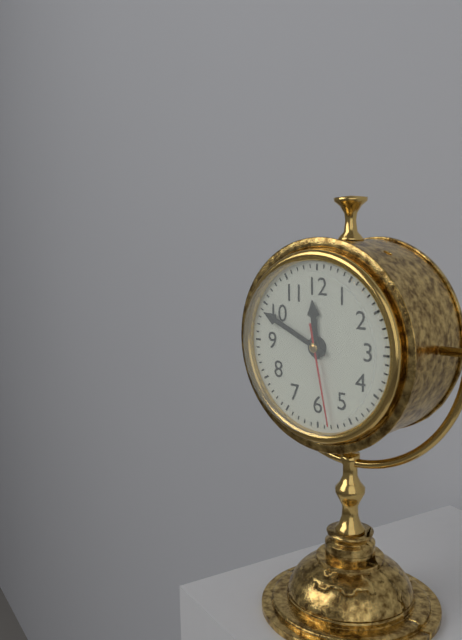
h=11 m=49 s=28
